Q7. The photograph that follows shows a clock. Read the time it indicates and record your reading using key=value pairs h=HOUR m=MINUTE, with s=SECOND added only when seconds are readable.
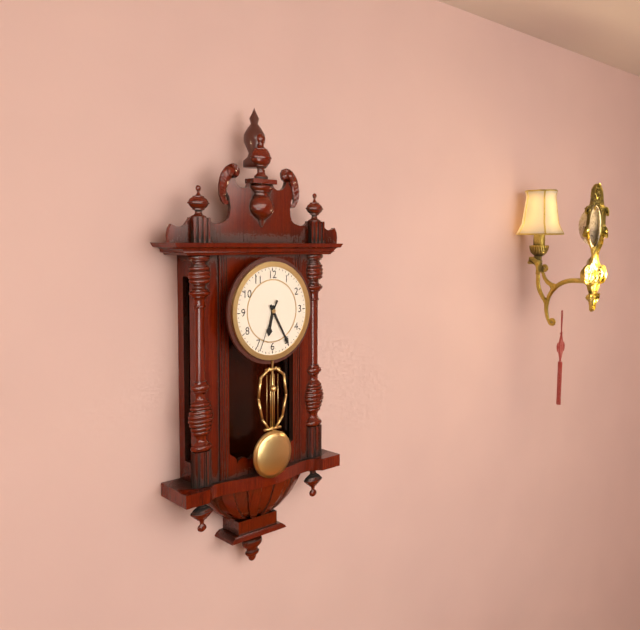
h=6 m=25 s=34
